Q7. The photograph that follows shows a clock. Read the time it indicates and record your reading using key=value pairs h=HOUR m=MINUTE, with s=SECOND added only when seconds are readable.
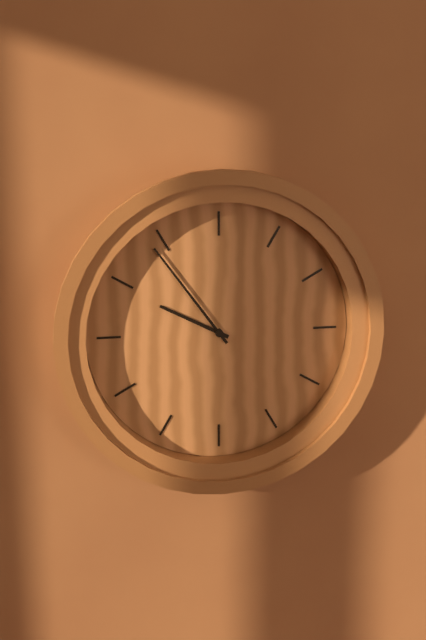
h=9 m=54
